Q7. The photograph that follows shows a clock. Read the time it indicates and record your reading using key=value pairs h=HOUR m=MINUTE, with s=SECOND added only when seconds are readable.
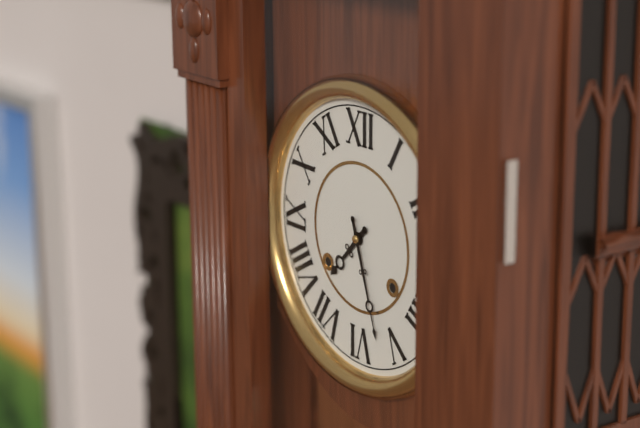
h=7 m=27
